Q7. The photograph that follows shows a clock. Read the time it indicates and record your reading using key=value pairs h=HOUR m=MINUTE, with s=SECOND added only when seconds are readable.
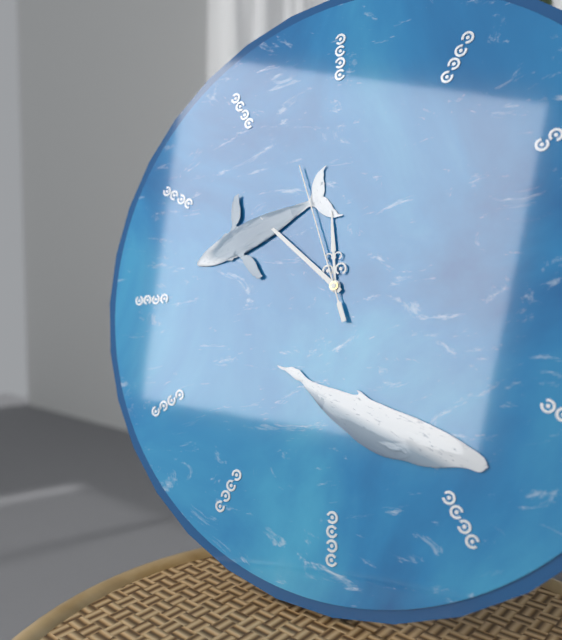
h=11 m=52 s=57
